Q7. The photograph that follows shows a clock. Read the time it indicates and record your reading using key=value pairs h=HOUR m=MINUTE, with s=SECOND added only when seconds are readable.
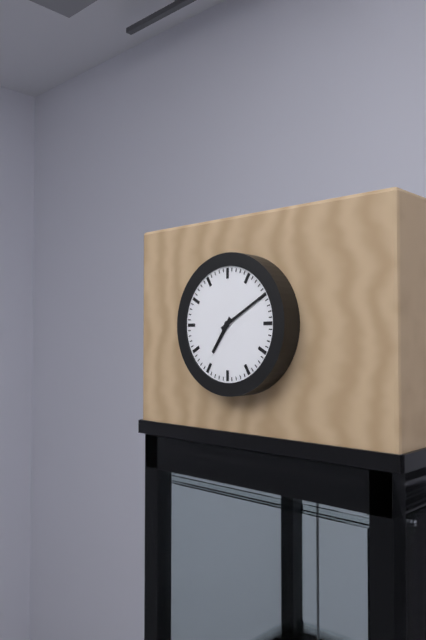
h=7 m=10
